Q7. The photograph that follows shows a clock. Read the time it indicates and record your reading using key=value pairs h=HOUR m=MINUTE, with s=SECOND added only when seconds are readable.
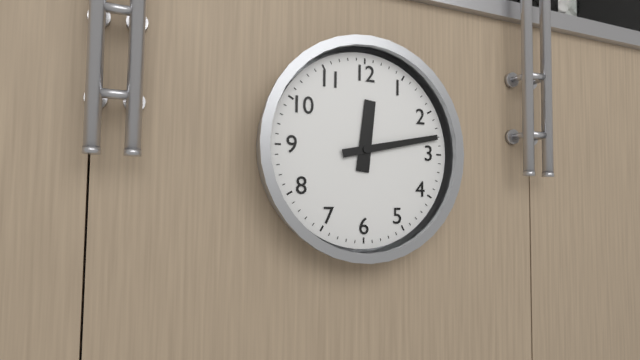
h=12 m=13
